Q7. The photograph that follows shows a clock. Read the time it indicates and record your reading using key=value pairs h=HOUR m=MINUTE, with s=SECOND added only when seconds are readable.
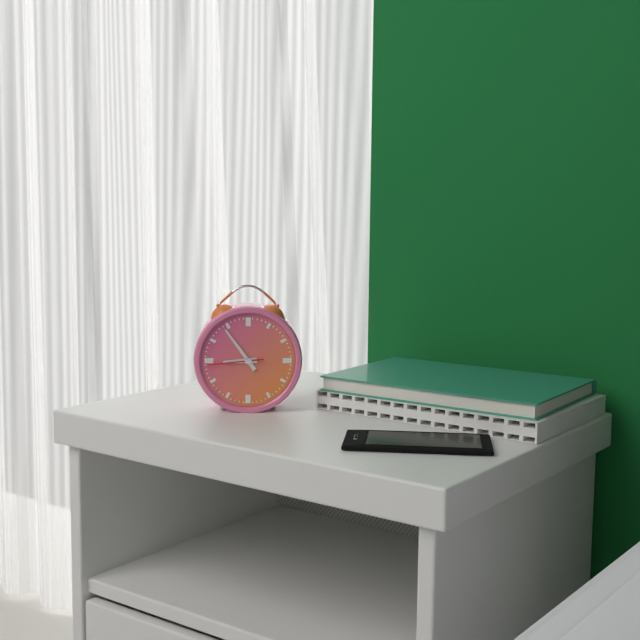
h=8 m=54 s=44
